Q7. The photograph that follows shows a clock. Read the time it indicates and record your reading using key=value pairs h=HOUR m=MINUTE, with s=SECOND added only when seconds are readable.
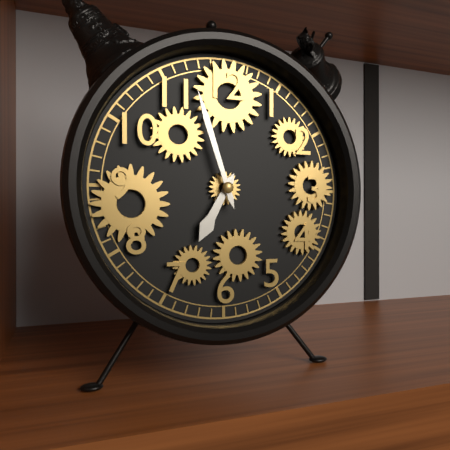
h=6 m=57
